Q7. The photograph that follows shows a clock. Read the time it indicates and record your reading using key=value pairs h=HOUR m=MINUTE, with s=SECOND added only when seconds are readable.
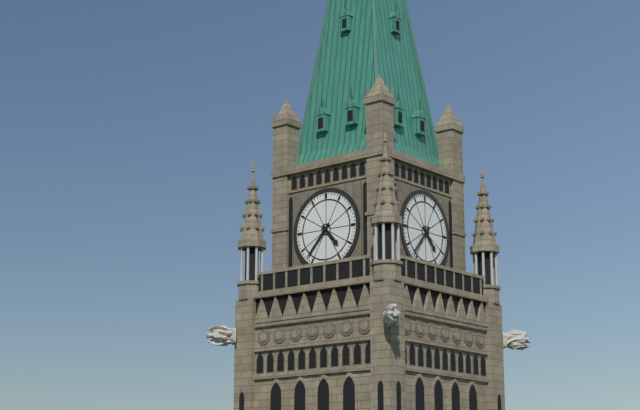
h=4 m=37
